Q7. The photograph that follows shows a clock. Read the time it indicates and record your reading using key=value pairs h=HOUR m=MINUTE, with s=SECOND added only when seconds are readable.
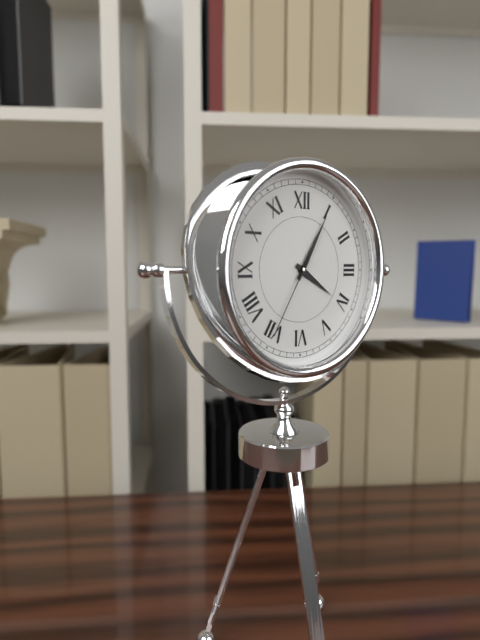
h=4 m=5 s=35
